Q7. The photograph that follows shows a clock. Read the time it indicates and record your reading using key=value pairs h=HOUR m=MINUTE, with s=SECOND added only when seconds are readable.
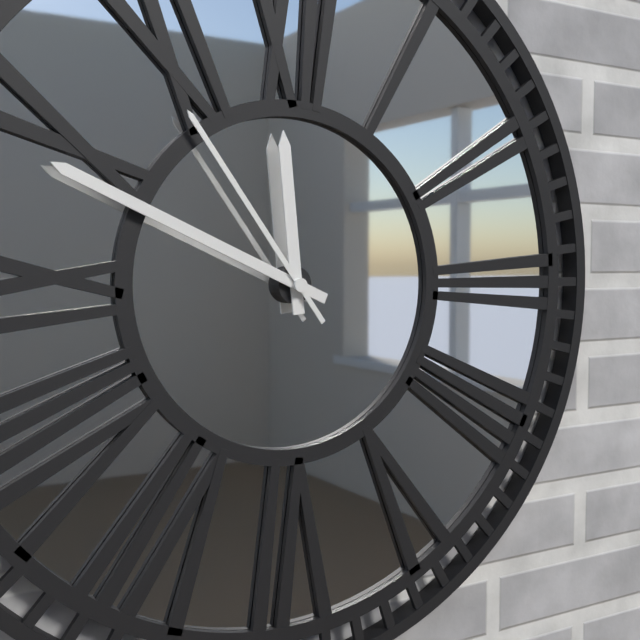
h=11 m=49 s=54
